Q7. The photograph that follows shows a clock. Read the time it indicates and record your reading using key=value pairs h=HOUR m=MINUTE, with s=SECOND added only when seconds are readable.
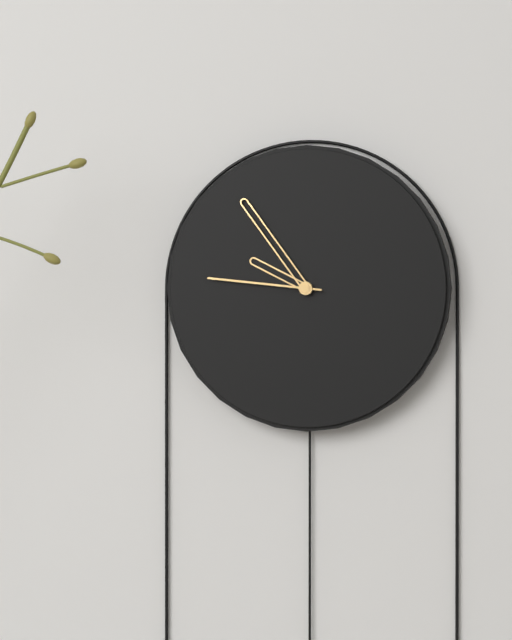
h=9 m=54 s=46
